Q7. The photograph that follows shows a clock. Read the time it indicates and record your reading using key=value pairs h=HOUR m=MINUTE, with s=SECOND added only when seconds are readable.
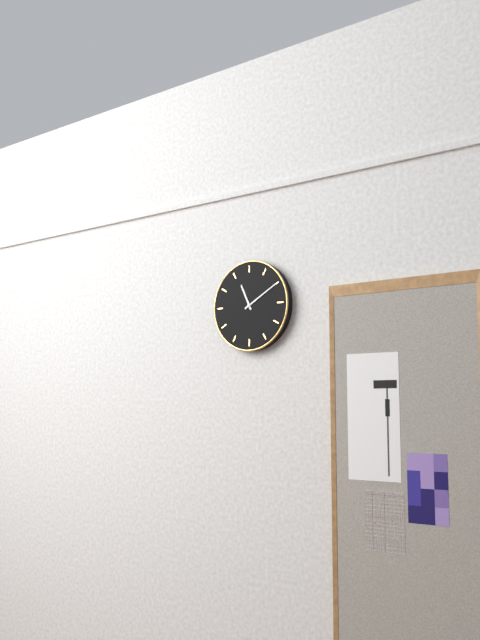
h=11 m=10
